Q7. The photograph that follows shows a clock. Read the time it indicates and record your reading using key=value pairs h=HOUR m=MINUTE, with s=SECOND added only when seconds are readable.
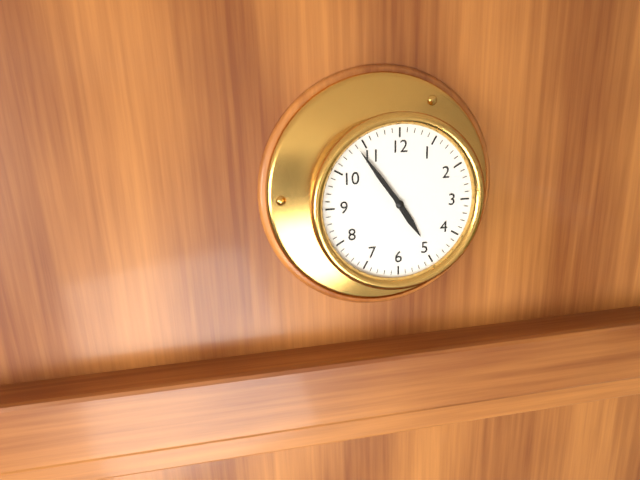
h=4 m=54
